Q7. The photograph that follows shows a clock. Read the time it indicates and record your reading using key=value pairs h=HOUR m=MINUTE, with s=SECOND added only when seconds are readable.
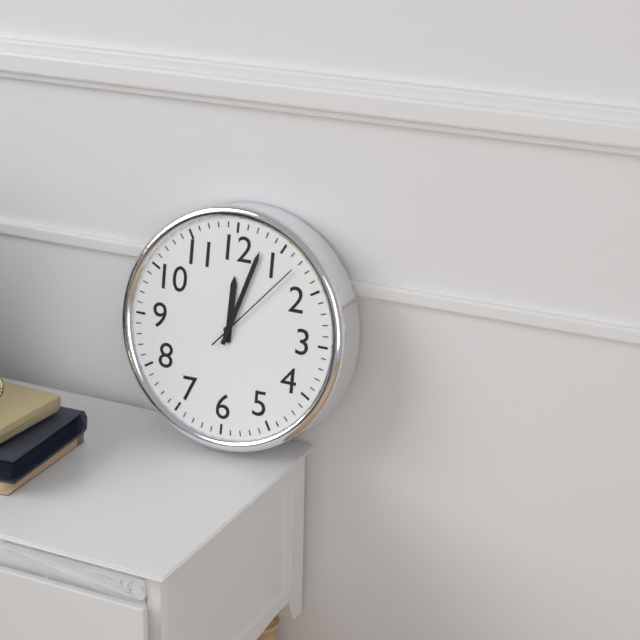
h=12 m=3 s=7
